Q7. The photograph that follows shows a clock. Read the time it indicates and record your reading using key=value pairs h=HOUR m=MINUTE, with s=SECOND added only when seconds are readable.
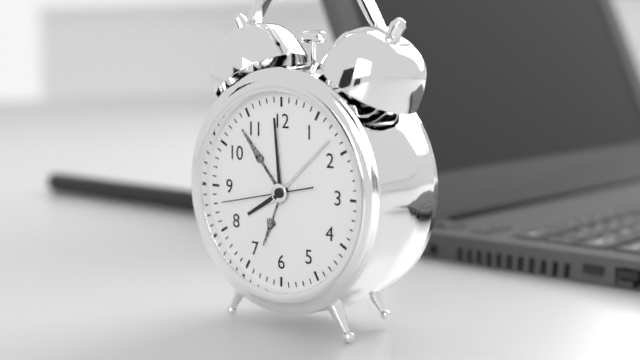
h=7 m=59 s=43
